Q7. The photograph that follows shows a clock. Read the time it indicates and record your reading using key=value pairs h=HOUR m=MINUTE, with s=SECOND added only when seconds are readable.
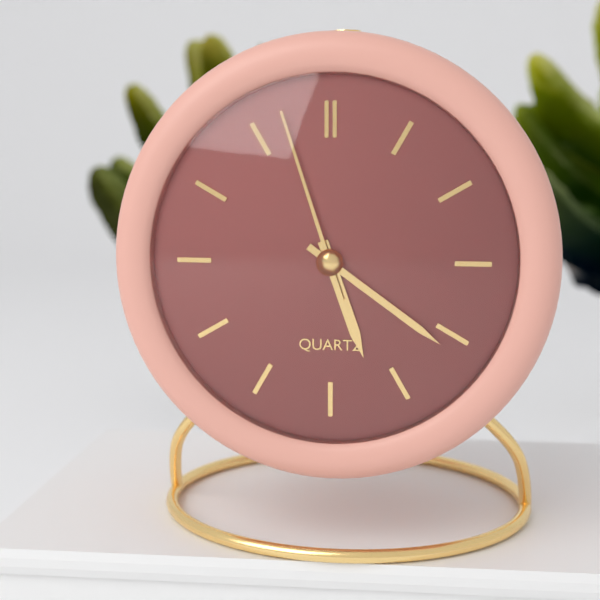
h=5 m=21 s=57
